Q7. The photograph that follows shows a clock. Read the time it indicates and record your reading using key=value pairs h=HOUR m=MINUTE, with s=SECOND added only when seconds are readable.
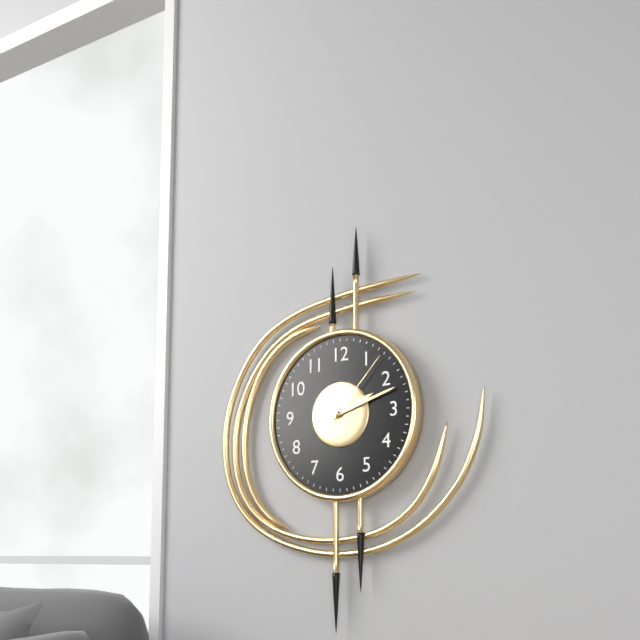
h=2 m=12 s=7
